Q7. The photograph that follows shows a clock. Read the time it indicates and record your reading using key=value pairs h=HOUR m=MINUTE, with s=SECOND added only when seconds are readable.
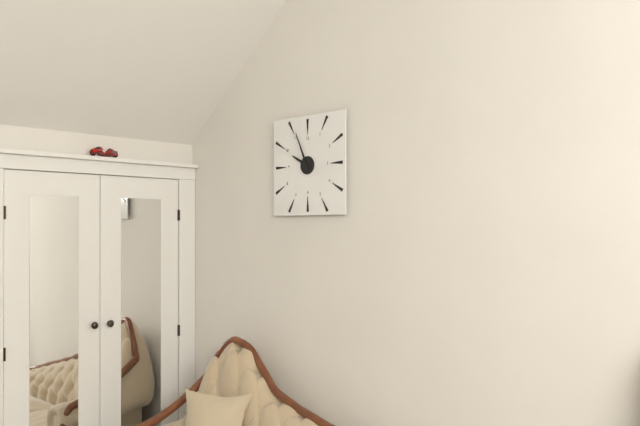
h=9 m=56
